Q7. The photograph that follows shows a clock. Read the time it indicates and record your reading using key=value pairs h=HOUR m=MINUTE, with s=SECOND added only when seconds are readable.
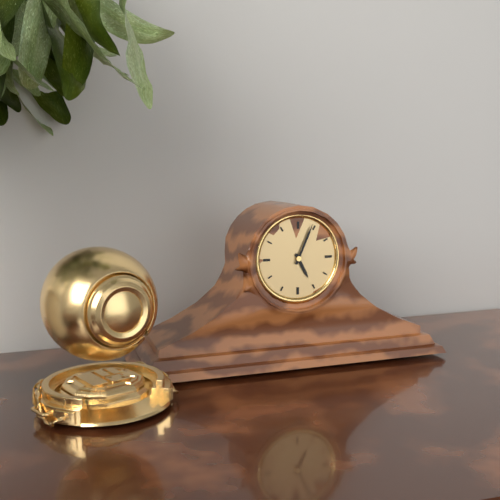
h=5 m=4
